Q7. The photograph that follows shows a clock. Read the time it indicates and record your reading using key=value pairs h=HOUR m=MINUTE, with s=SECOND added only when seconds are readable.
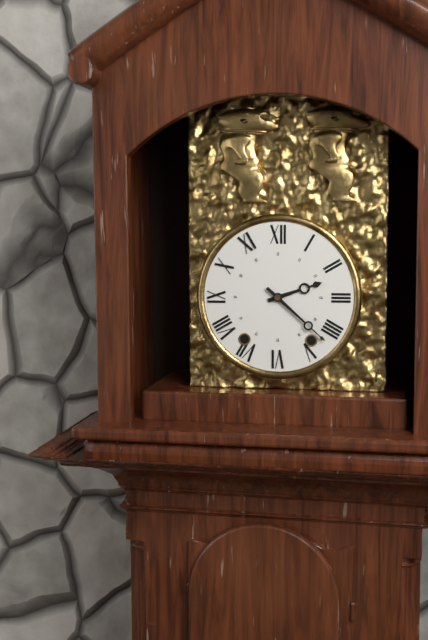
h=2 m=22
